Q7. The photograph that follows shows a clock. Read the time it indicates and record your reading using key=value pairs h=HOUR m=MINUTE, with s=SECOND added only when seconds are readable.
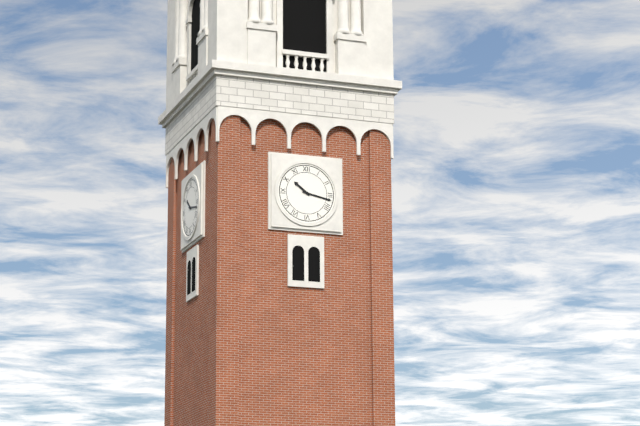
h=10 m=17
